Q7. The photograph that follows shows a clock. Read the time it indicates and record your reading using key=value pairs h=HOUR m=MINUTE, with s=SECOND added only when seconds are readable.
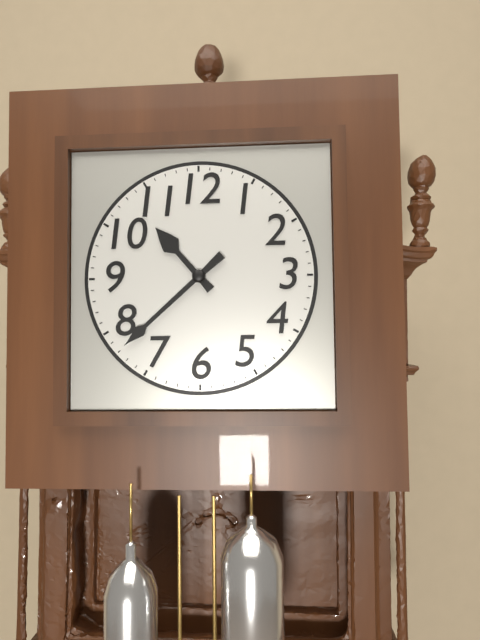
h=10 m=38
